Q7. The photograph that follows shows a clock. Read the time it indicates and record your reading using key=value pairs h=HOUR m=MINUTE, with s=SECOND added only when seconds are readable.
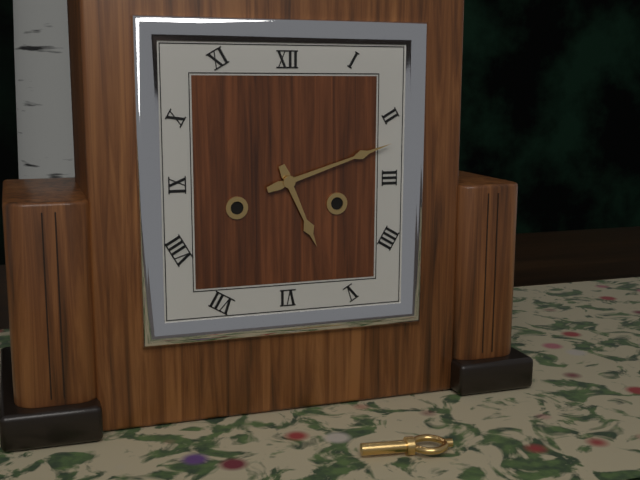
h=5 m=12
